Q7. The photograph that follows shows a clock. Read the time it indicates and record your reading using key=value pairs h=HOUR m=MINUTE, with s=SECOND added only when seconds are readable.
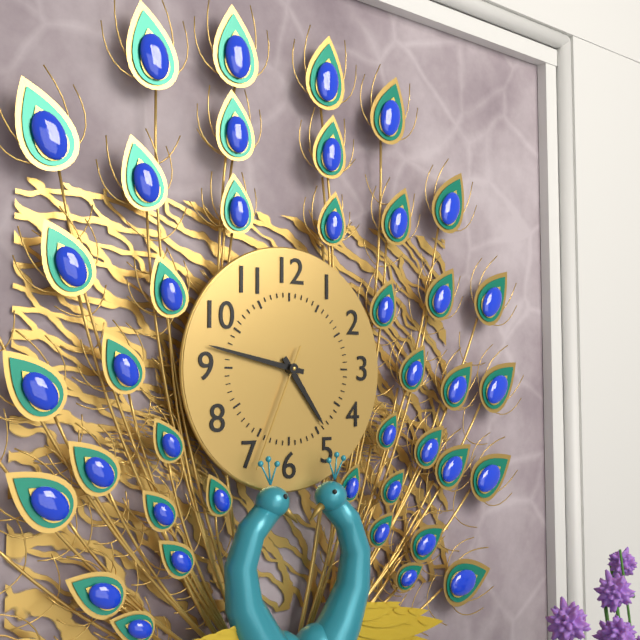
h=4 m=47 s=34
